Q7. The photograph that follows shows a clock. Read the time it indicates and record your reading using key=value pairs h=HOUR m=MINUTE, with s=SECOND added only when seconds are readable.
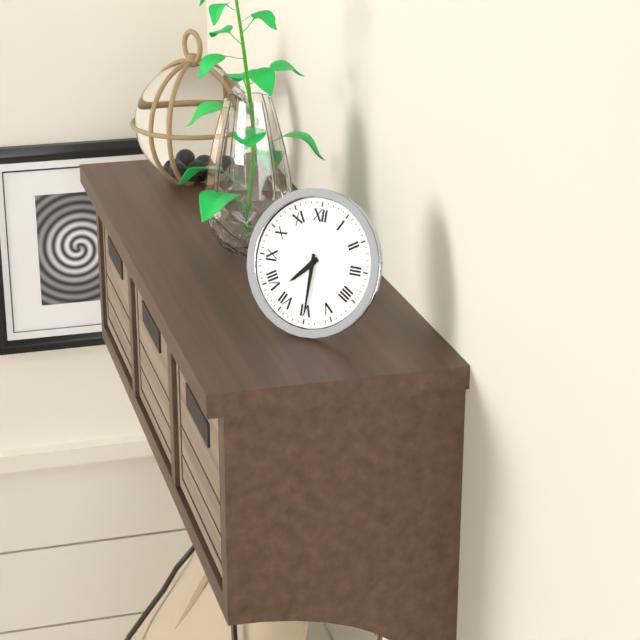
h=7 m=30
